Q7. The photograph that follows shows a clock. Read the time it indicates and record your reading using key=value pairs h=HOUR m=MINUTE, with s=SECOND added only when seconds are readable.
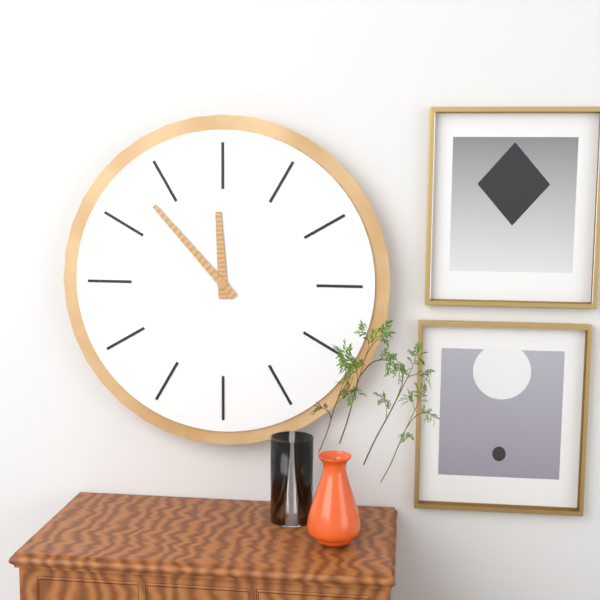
h=11 m=53
